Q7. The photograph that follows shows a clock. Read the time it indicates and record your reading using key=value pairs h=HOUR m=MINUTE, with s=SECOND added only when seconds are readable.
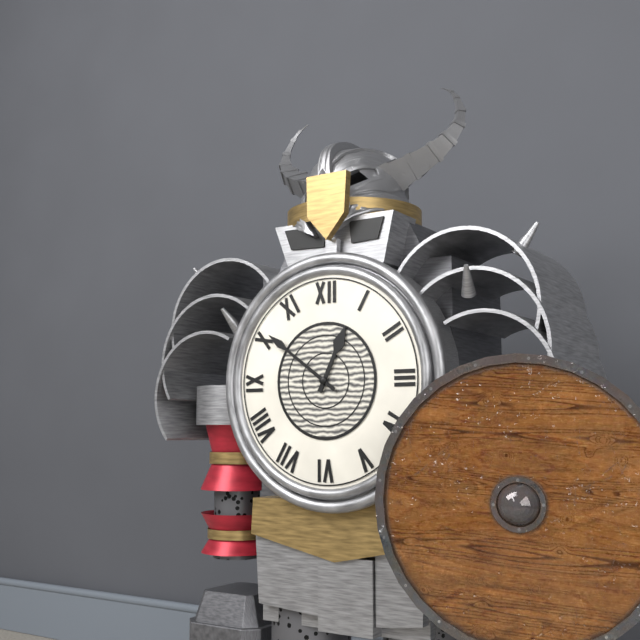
h=12 m=51
